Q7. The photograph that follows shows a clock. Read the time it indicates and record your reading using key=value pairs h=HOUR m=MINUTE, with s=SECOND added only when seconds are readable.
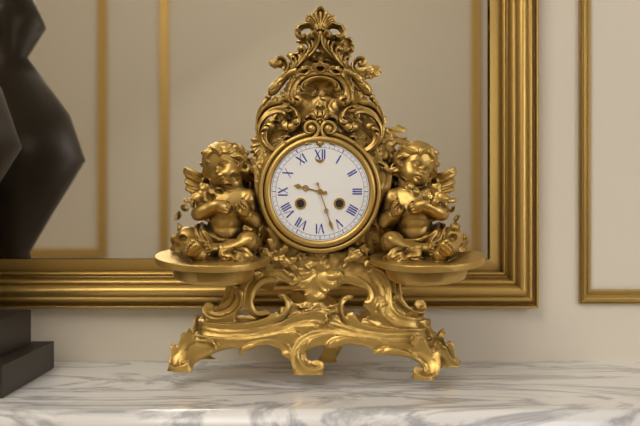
h=9 m=27
